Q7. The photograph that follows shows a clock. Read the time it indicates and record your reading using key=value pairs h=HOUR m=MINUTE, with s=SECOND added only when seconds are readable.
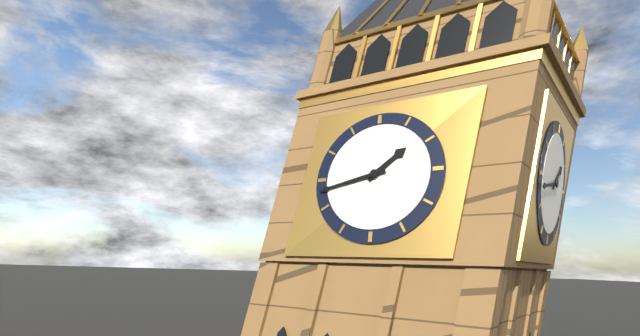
h=1 m=43
